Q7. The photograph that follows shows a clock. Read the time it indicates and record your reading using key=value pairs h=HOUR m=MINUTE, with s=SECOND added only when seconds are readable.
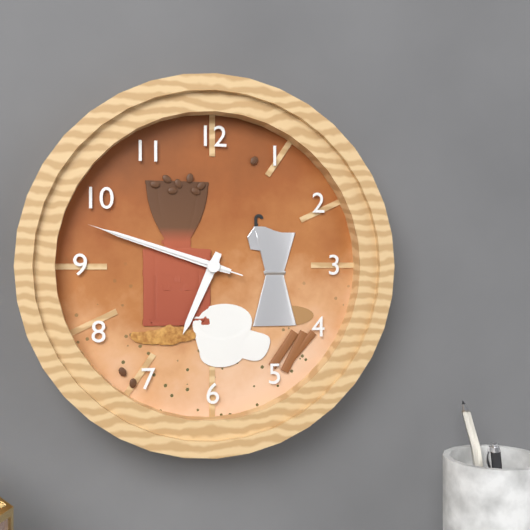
h=6 m=48 s=48
